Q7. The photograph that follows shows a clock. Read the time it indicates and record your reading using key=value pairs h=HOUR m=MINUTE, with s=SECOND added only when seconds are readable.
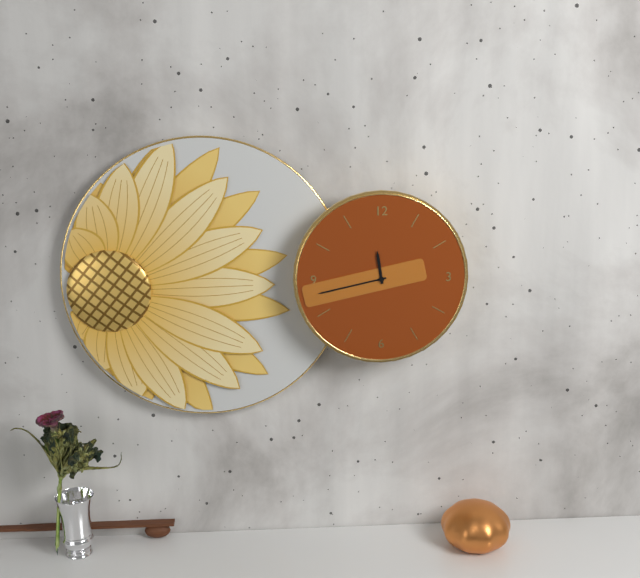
h=11 m=43
